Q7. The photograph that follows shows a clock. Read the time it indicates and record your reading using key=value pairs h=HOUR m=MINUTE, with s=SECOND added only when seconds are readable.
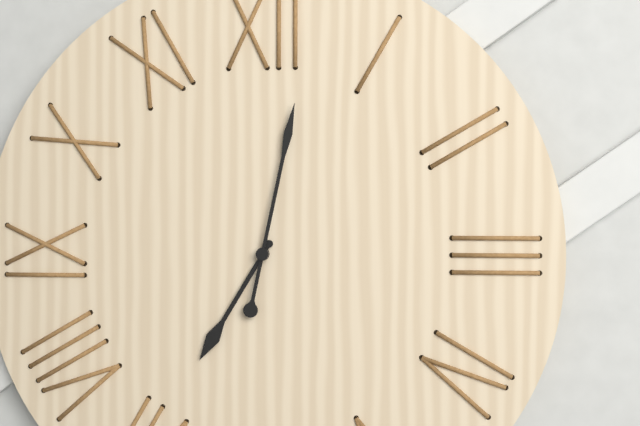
h=7 m=2
